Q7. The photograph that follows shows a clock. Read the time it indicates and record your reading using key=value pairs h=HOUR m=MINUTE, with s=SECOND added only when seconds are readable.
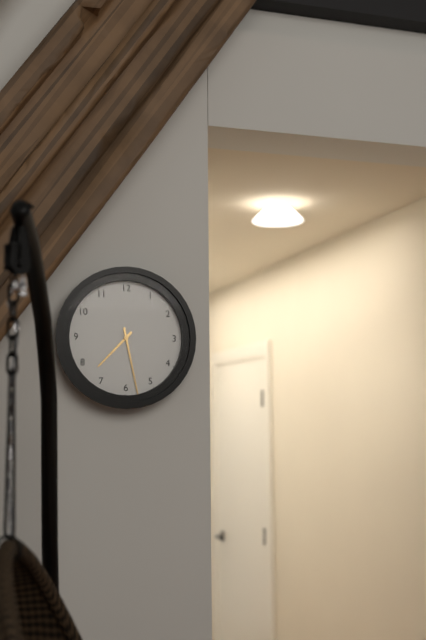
h=7 m=28
